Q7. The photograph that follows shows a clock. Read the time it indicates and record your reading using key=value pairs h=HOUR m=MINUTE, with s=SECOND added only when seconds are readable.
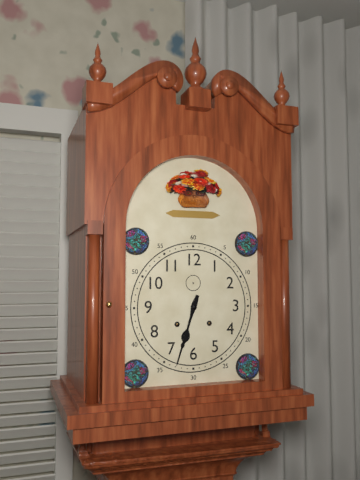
h=6 m=33
